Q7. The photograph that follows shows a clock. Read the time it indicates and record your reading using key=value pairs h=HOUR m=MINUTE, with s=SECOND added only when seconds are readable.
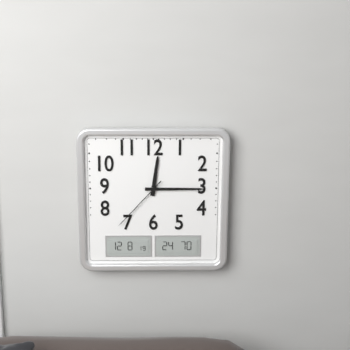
h=12 m=15 s=37
